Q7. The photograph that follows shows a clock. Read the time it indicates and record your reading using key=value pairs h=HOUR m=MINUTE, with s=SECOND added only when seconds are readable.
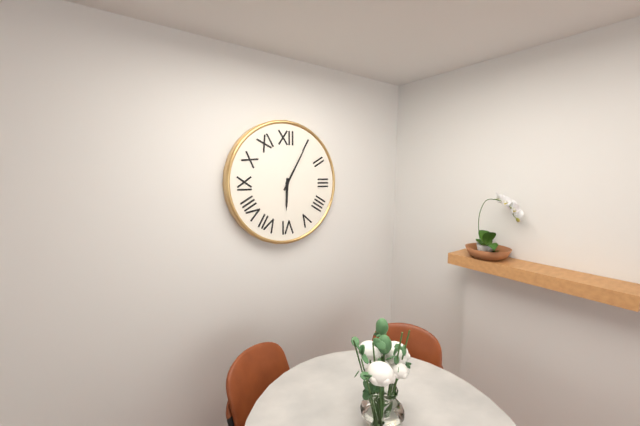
h=6 m=5
